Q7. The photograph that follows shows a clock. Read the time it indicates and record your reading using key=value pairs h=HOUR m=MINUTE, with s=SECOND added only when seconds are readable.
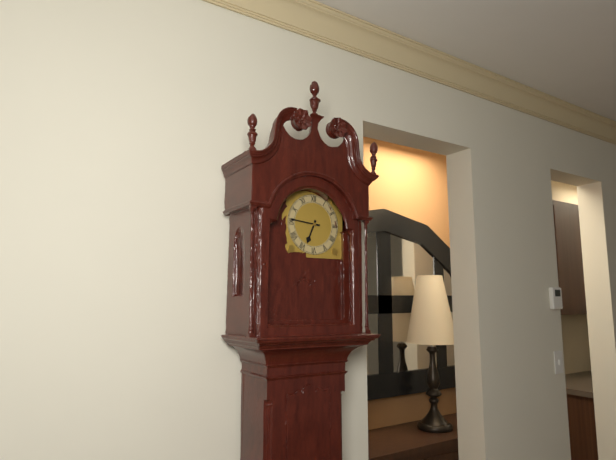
h=6 m=46
